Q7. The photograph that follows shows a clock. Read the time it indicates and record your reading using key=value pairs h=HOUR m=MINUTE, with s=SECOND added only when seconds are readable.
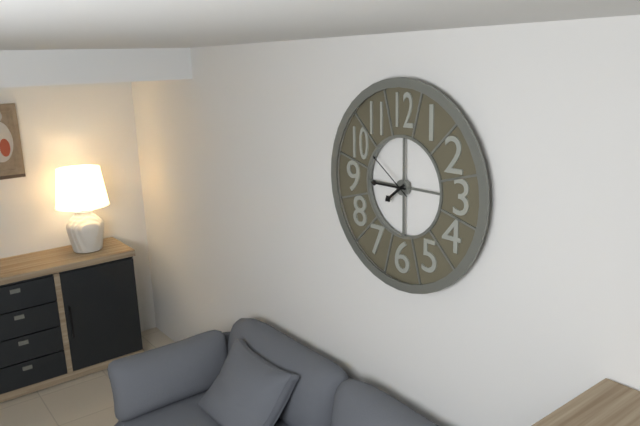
h=7 m=45 s=51
